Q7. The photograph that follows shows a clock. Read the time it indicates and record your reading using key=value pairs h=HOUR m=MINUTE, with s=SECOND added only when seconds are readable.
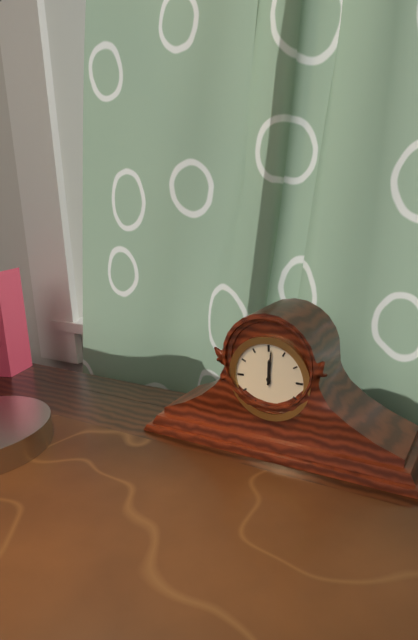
h=12 m=1
